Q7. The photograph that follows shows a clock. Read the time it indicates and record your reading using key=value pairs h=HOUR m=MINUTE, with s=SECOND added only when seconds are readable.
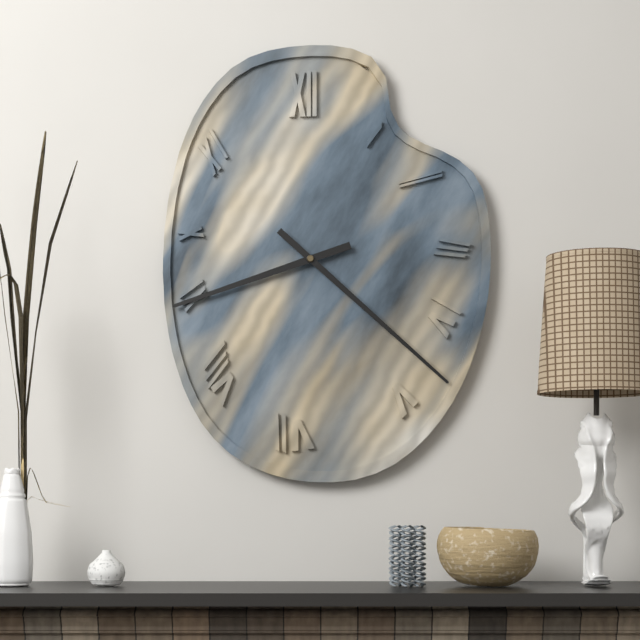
h=8 m=22
